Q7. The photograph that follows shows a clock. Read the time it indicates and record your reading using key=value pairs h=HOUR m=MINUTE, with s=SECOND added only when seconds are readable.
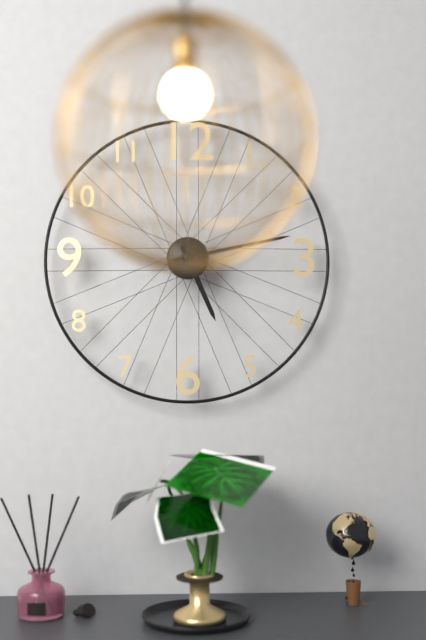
h=5 m=13
